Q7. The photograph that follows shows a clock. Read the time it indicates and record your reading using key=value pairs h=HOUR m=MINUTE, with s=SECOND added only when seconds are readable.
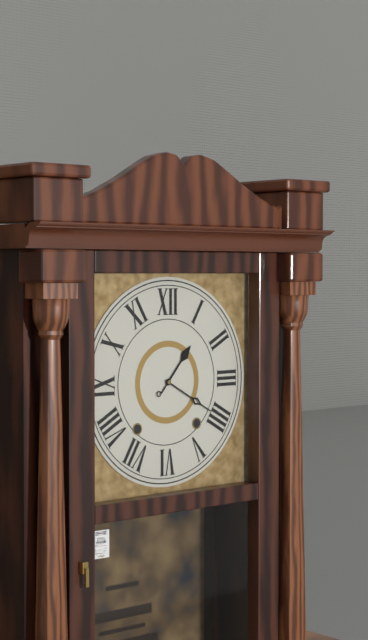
h=1 m=20
